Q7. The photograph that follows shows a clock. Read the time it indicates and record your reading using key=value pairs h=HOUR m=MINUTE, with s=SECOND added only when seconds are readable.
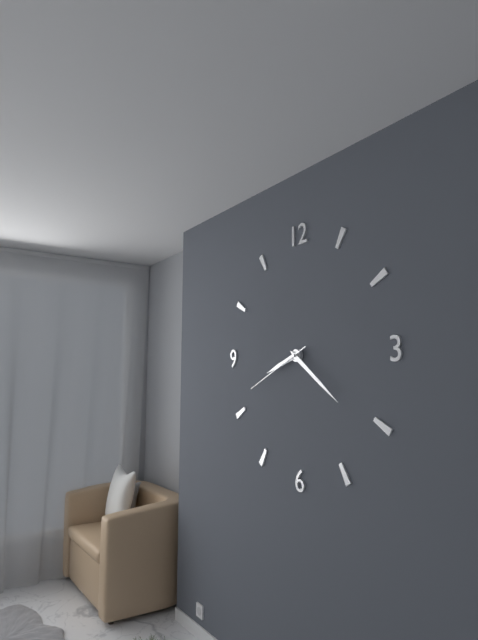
h=8 m=21 s=41
